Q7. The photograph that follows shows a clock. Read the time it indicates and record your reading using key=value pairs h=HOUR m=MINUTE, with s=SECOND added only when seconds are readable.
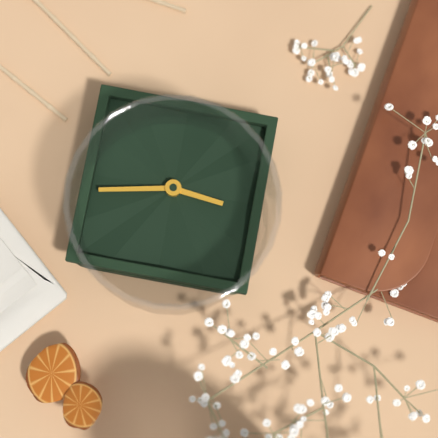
h=9 m=13
